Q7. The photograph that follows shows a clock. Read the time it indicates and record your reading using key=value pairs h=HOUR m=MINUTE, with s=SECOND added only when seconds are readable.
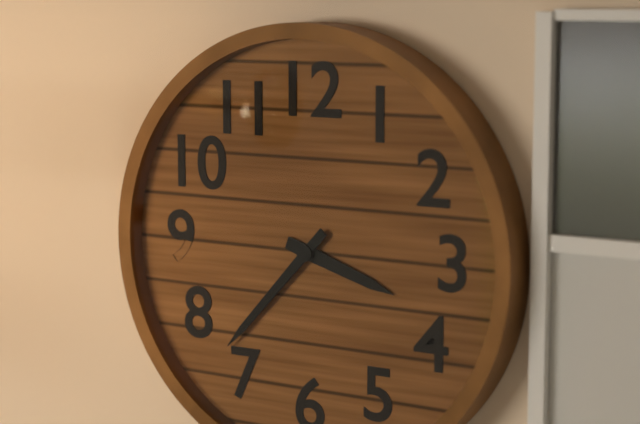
h=3 m=37
